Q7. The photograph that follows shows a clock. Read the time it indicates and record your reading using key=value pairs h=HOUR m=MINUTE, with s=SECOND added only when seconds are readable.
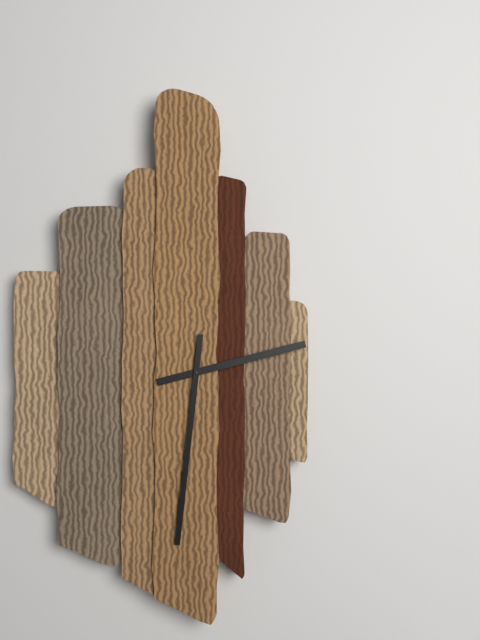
h=2 m=31
